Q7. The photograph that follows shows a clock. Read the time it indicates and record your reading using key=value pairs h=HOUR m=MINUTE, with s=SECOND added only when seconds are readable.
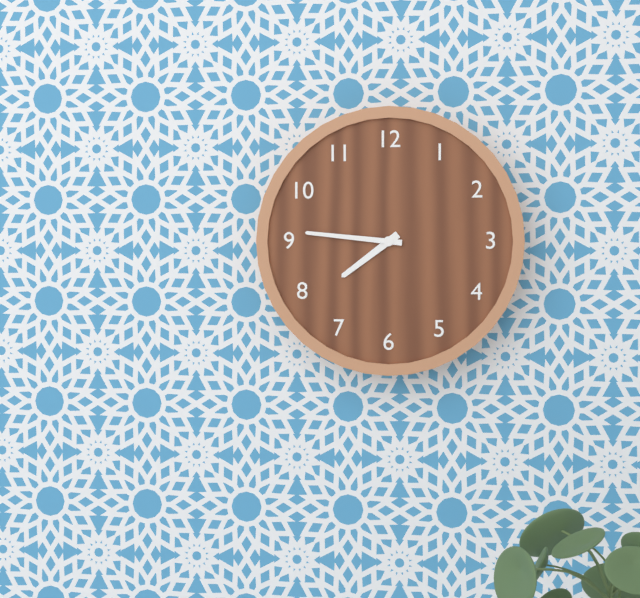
h=7 m=46
